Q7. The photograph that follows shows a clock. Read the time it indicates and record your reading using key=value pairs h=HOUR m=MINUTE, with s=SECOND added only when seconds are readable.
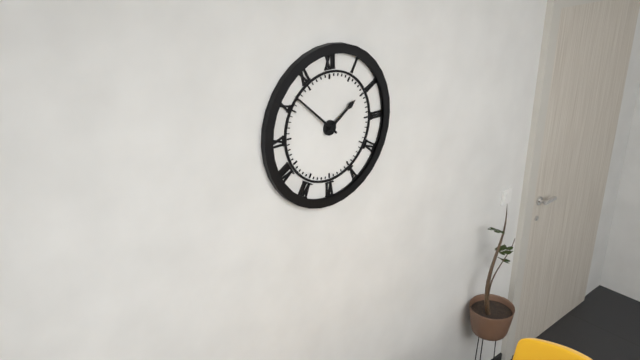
h=1 m=52
